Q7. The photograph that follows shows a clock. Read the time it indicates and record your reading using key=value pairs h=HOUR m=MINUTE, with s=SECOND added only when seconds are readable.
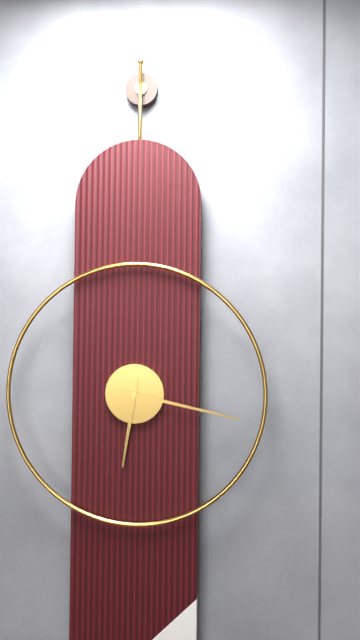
h=6 m=17
